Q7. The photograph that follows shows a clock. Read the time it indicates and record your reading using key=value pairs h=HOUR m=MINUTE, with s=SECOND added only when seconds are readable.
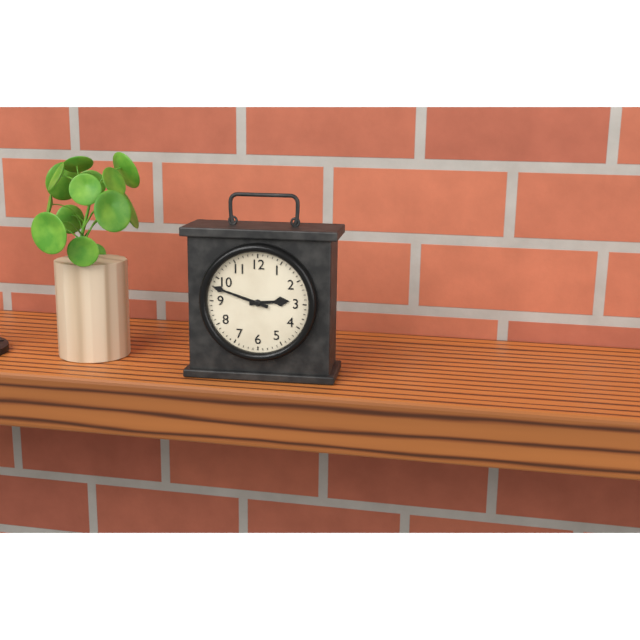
h=2 m=48
